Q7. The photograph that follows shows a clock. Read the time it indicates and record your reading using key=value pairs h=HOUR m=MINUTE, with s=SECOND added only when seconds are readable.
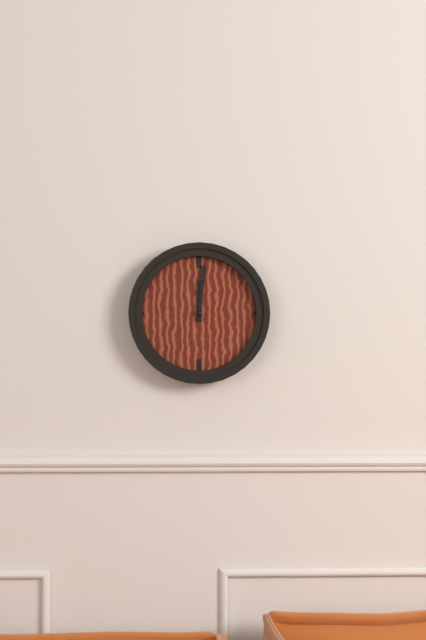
h=12 m=1
